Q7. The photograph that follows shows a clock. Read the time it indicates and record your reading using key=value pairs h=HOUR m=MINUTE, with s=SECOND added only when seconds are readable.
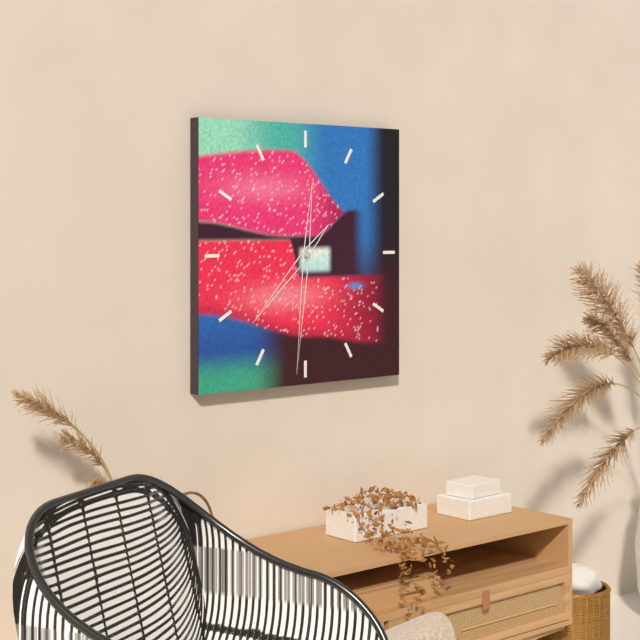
h=7 m=31
